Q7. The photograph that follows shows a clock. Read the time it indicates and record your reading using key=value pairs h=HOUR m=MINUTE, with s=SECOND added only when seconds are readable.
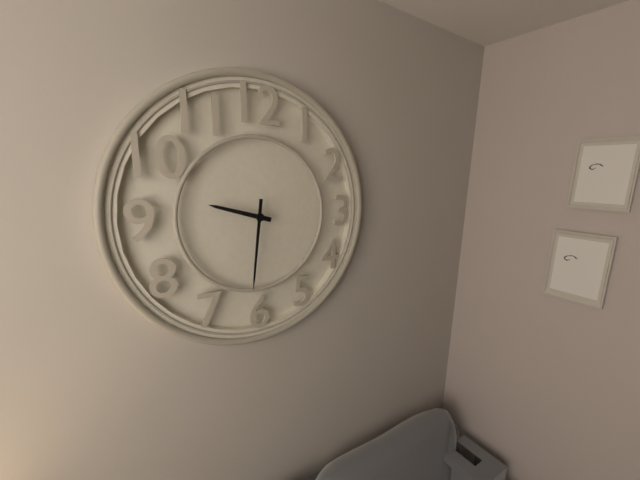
h=9 m=31
